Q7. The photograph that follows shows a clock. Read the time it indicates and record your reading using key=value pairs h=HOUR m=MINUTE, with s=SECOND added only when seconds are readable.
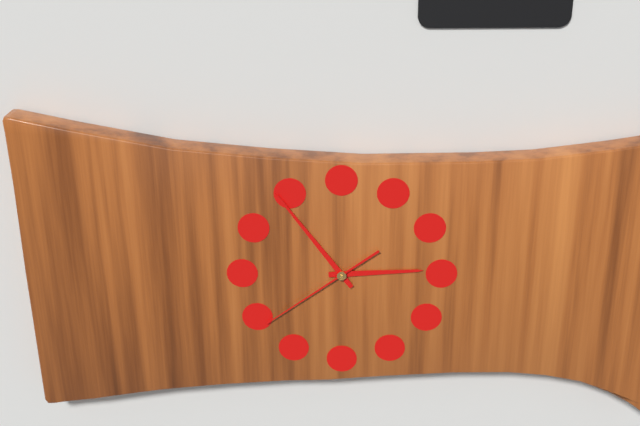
h=2 m=54 s=39
